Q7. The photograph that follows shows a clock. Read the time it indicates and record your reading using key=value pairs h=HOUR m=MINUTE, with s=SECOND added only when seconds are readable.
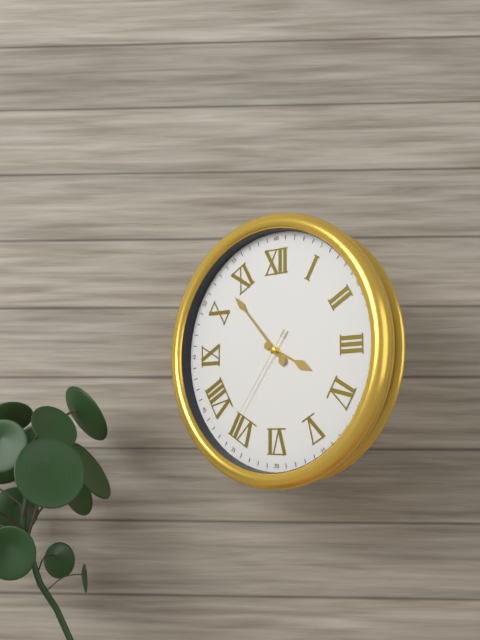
h=3 m=53 s=36
